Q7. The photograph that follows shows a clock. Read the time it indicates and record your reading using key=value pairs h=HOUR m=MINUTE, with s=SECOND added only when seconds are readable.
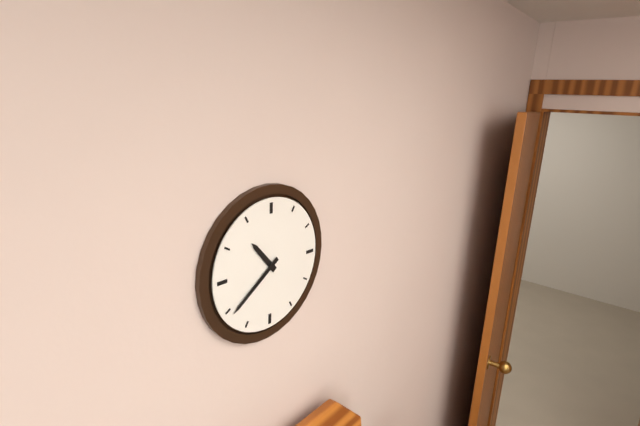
h=10 m=39
